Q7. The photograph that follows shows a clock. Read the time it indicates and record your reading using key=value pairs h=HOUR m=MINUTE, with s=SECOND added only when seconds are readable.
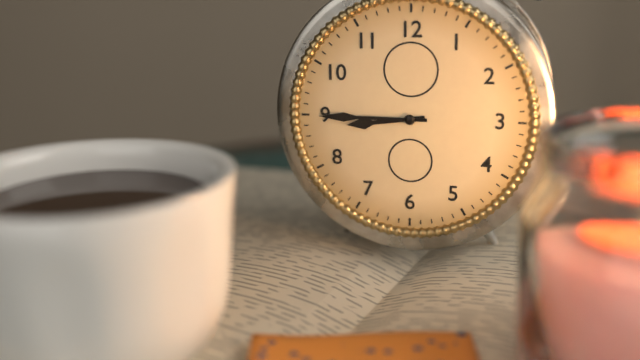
h=8 m=45
